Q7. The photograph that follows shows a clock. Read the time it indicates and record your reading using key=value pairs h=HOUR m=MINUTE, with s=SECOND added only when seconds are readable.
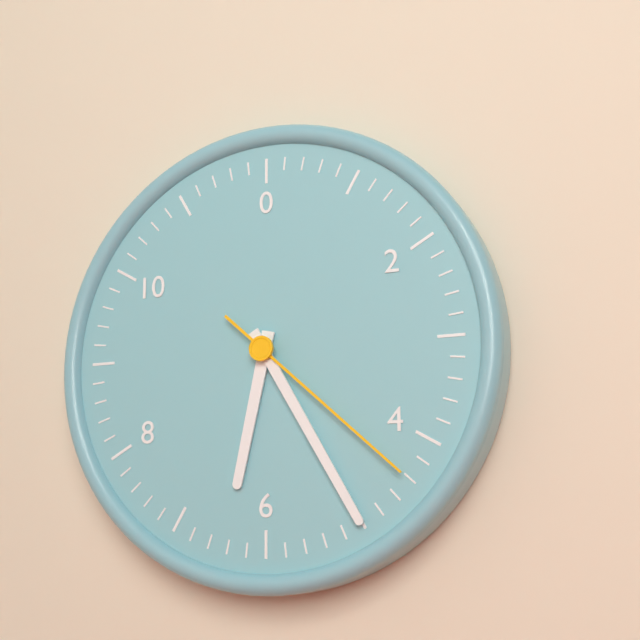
h=6 m=25 s=22
